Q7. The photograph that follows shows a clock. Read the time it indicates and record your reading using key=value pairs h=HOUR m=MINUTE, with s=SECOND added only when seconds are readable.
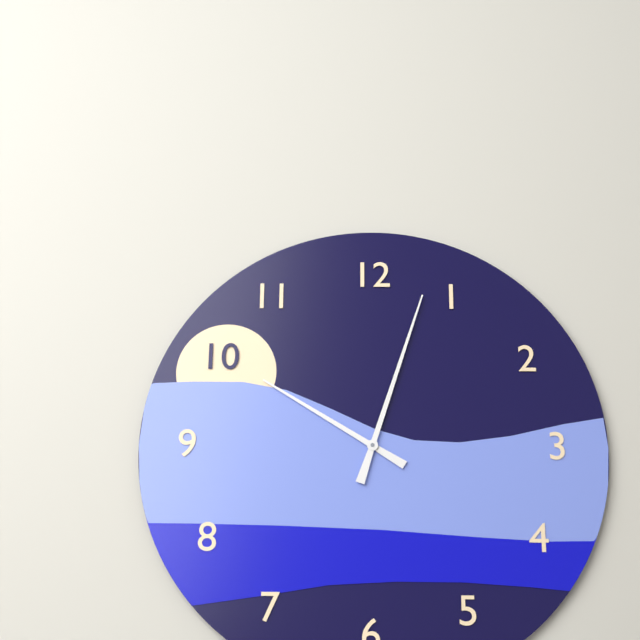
h=10 m=3
